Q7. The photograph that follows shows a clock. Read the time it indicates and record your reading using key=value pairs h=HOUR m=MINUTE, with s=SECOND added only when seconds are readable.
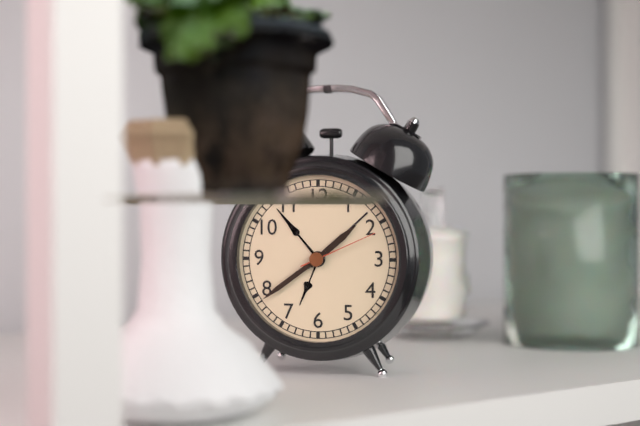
h=1 m=39 s=11
